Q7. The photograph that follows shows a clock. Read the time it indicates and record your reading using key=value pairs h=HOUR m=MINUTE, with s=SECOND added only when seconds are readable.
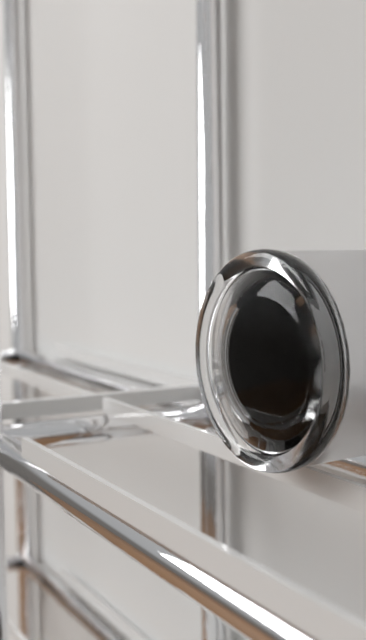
h=2 m=40 s=16
